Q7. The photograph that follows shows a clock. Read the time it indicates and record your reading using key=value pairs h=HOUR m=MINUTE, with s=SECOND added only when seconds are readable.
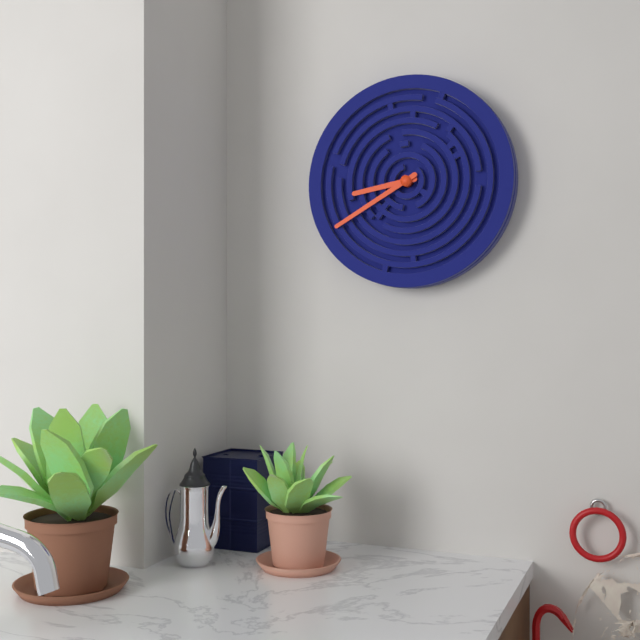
h=8 m=40
